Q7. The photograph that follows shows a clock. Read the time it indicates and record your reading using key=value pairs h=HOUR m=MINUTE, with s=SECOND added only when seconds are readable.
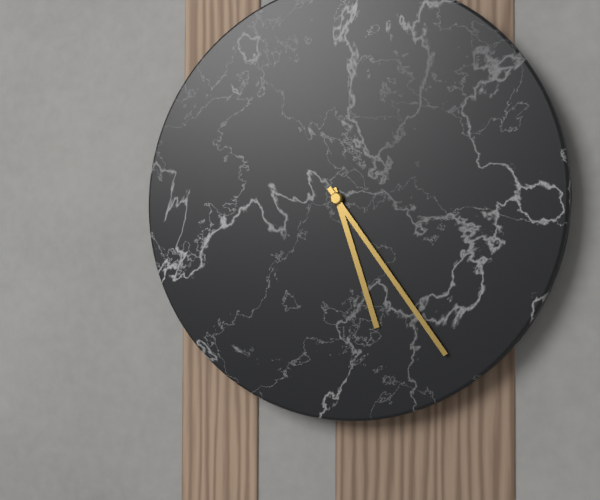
h=5 m=24
